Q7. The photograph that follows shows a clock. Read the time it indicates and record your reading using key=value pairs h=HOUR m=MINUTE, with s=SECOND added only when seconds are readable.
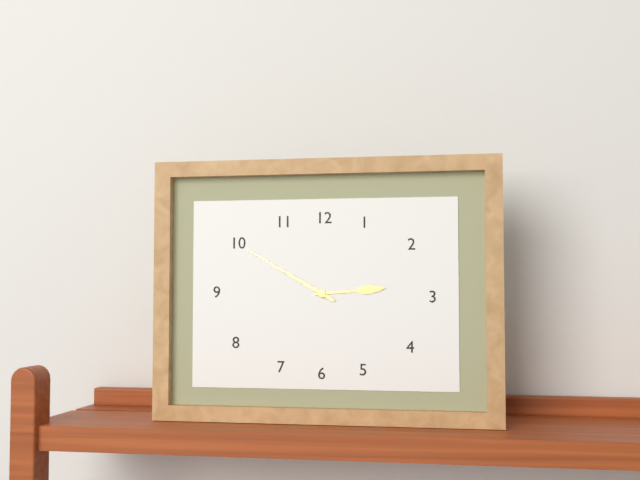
h=2 m=50
